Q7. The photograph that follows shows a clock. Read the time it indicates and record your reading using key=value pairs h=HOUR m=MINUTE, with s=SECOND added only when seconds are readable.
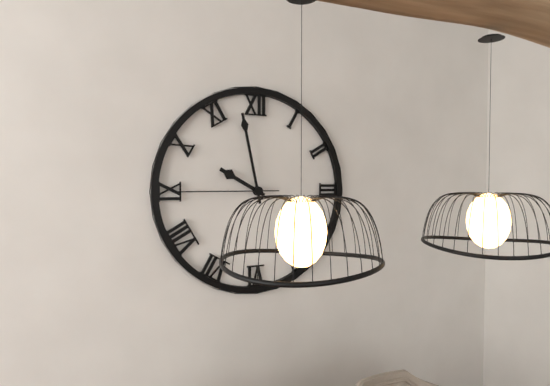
h=9 m=58 s=45
